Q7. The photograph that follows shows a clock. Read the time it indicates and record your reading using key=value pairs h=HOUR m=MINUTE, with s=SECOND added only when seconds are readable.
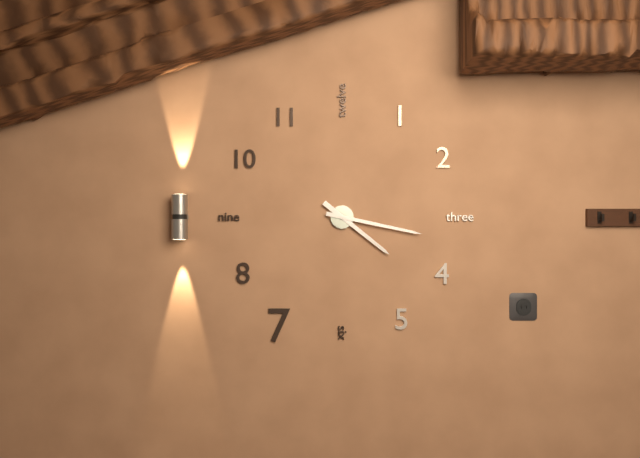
h=4 m=17
